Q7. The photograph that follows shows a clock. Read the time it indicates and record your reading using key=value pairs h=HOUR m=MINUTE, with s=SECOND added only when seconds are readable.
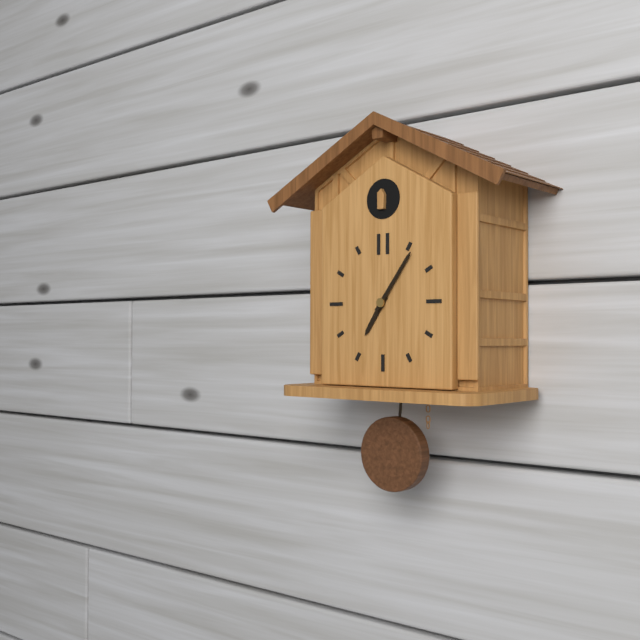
h=7 m=6
